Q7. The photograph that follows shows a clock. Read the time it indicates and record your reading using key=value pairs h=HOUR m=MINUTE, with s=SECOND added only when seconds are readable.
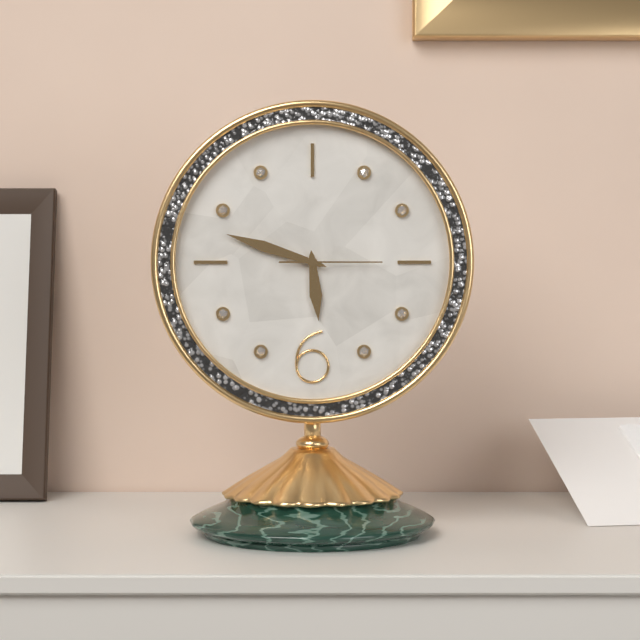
h=5 m=48 s=15
